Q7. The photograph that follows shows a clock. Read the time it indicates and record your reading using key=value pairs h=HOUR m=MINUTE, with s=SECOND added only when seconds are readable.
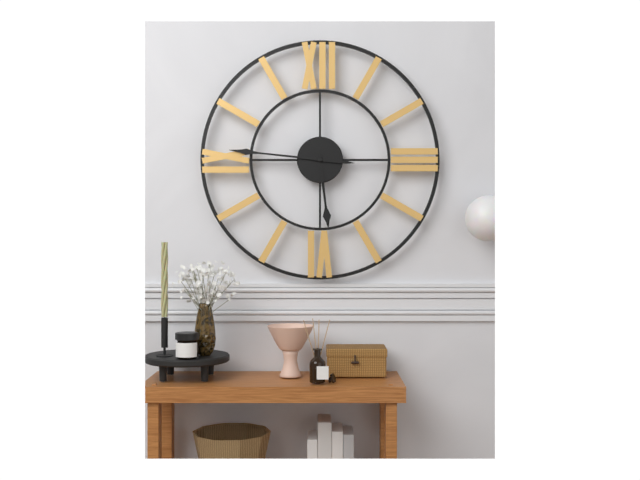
h=5 m=46
